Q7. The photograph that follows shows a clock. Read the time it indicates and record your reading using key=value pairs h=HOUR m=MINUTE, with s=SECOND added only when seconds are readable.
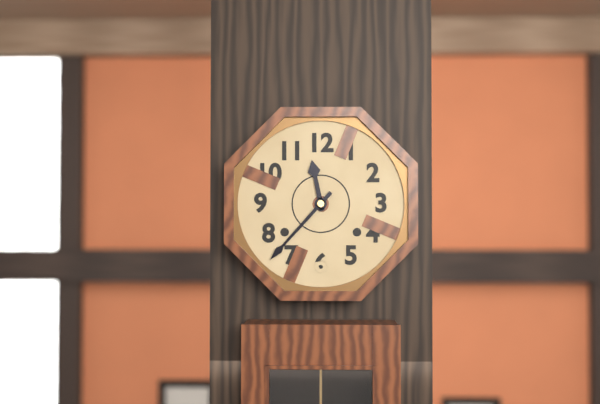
h=11 m=37
